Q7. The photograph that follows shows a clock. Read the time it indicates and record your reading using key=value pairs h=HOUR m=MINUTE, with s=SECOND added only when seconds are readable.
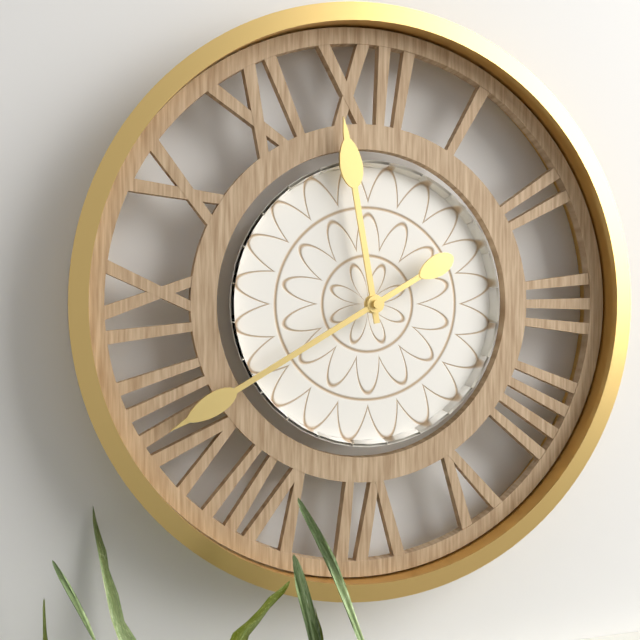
h=11 m=40
